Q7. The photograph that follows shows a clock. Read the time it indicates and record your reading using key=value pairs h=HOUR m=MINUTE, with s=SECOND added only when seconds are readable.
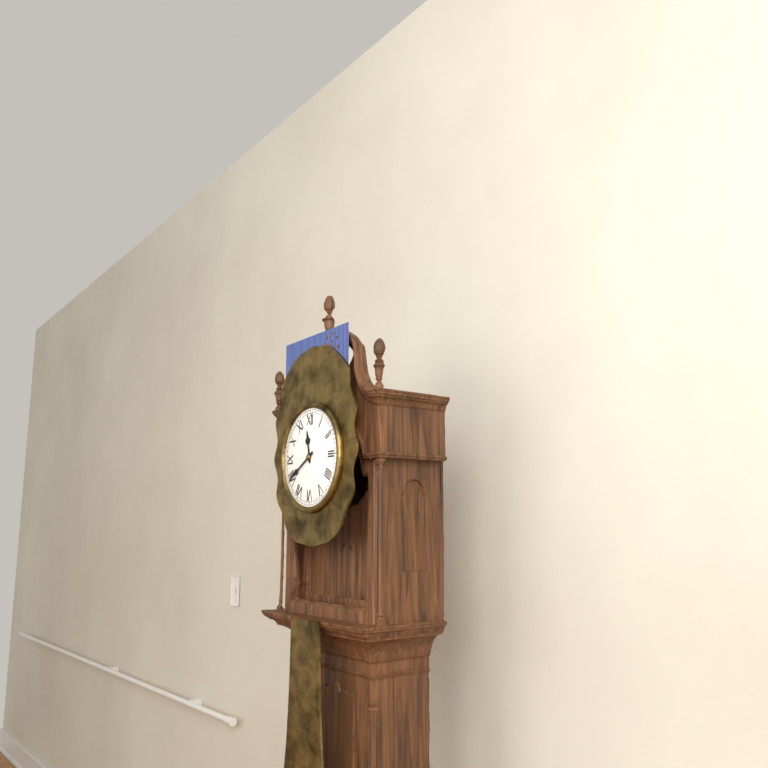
h=11 m=40
